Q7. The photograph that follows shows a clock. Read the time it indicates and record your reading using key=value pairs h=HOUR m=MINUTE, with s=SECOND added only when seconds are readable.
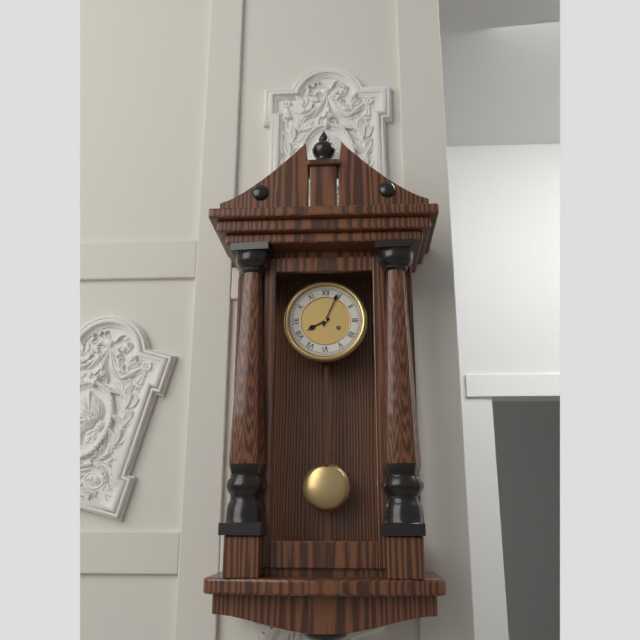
h=8 m=4
